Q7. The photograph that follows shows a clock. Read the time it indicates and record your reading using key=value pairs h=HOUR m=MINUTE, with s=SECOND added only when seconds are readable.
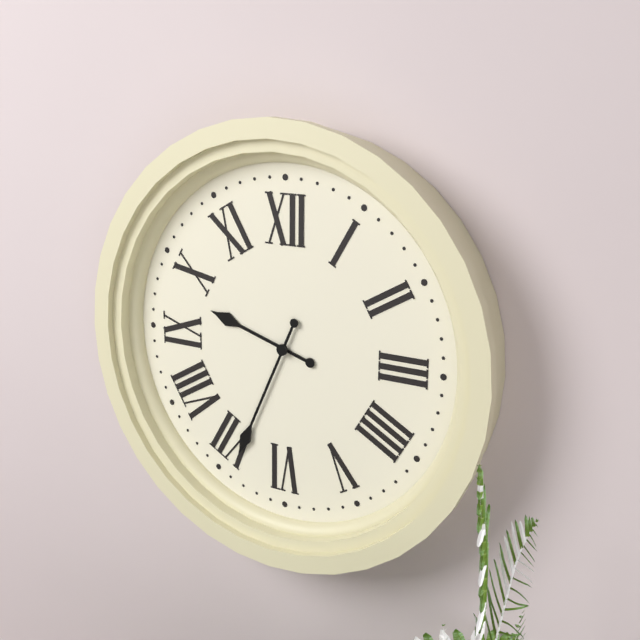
h=9 m=34
